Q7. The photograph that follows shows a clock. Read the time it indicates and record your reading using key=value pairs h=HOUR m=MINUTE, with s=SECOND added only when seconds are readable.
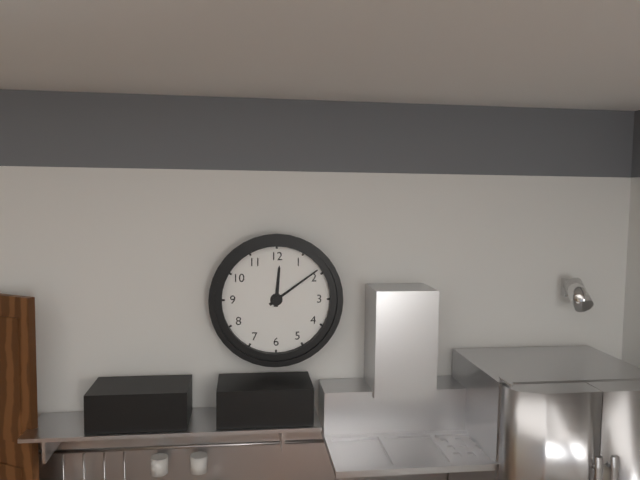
h=12 m=9
